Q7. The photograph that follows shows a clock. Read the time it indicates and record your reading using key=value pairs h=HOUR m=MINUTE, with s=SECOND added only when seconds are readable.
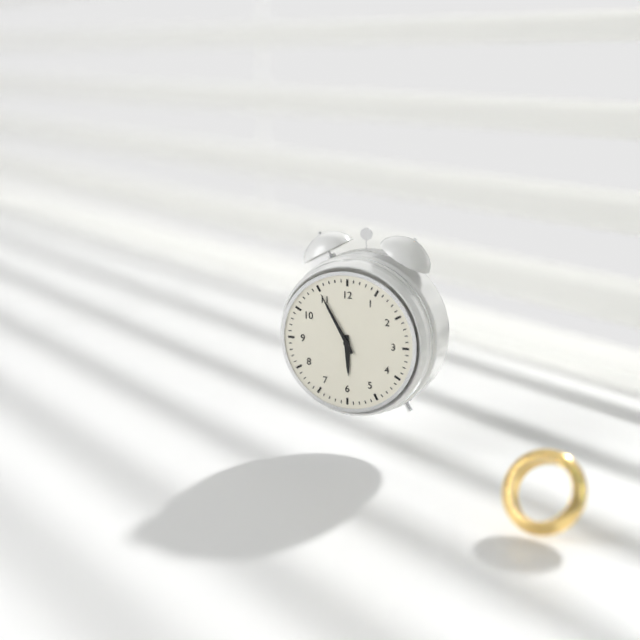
h=5 m=55
